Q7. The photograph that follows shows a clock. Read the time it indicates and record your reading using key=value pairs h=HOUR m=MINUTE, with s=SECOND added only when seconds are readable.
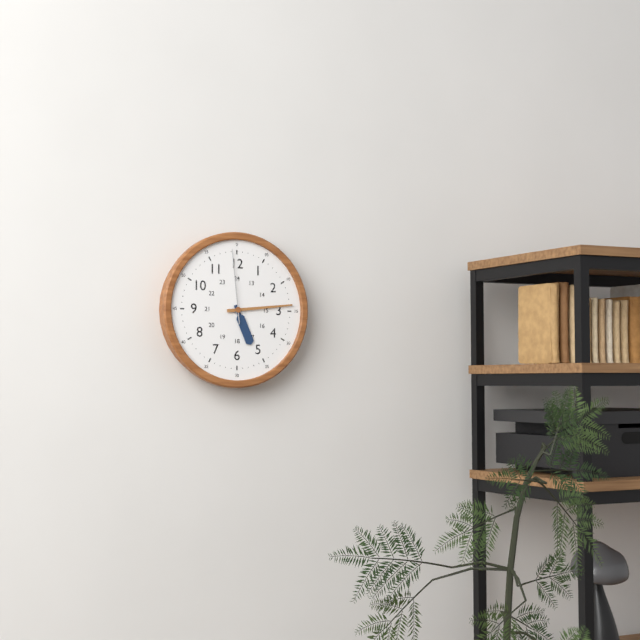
h=5 m=14 s=59
